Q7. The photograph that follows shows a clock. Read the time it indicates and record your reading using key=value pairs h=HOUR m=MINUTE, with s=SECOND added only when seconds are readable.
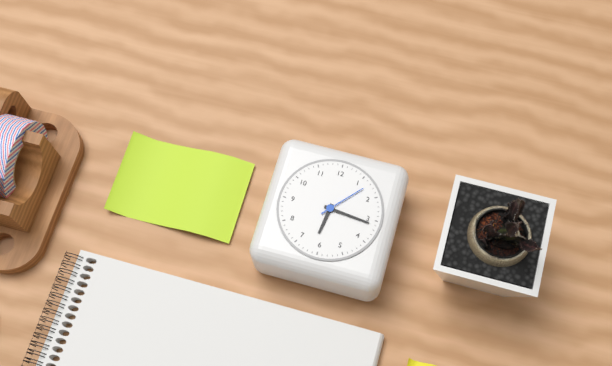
h=6 m=16
